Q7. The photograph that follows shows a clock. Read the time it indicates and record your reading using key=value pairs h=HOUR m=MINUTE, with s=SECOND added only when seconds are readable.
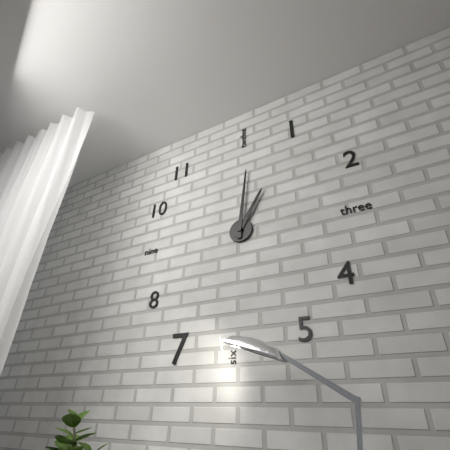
h=1 m=1
